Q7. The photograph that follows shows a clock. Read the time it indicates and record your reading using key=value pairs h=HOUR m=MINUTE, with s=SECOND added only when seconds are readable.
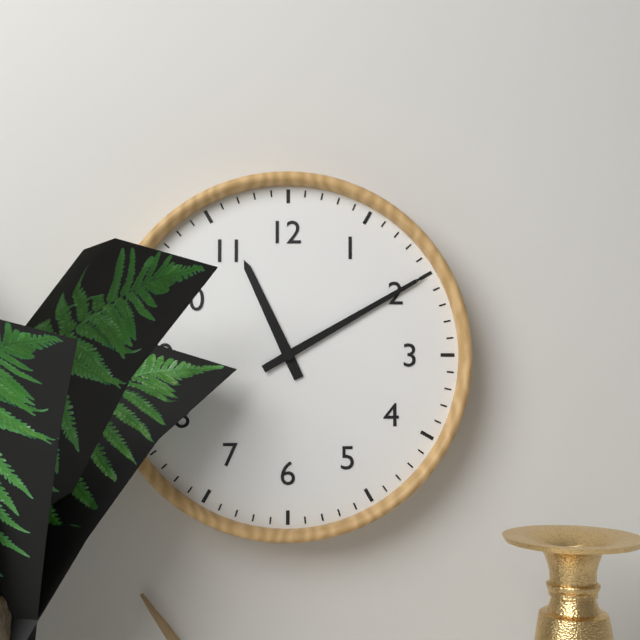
h=11 m=10
